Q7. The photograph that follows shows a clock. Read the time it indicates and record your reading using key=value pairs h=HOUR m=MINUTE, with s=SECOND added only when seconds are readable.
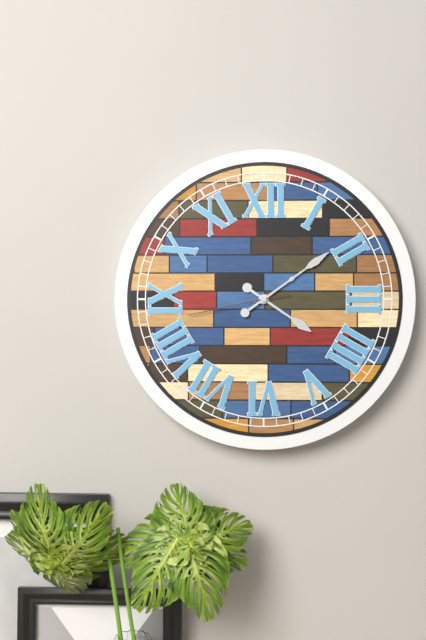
h=4 m=9 s=43
